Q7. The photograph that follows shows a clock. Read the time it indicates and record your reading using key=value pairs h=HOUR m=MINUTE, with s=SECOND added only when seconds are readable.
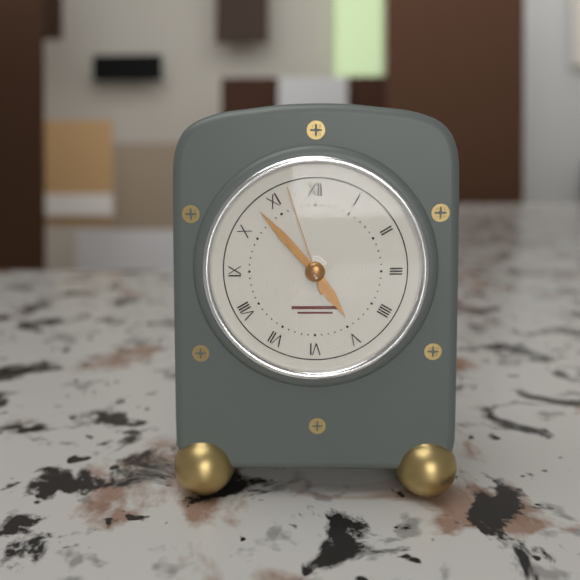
h=4 m=53 s=57
